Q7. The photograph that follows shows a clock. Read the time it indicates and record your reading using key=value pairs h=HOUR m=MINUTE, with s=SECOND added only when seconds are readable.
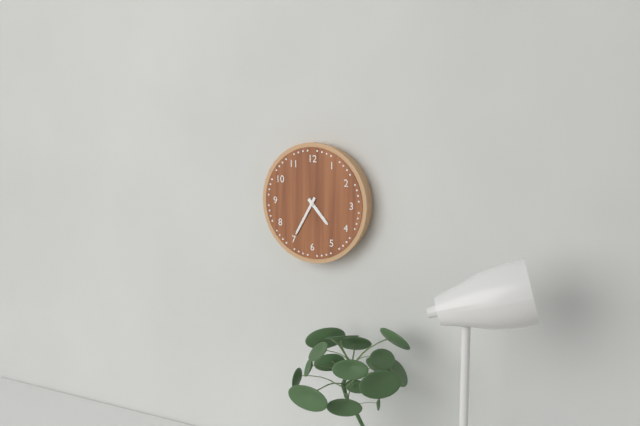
h=4 m=35
